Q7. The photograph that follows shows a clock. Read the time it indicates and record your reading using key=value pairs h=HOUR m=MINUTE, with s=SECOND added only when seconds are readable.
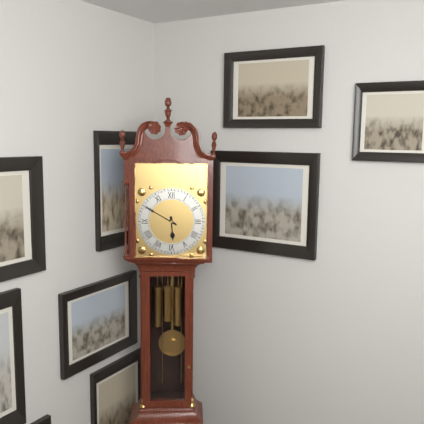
h=5 m=50
